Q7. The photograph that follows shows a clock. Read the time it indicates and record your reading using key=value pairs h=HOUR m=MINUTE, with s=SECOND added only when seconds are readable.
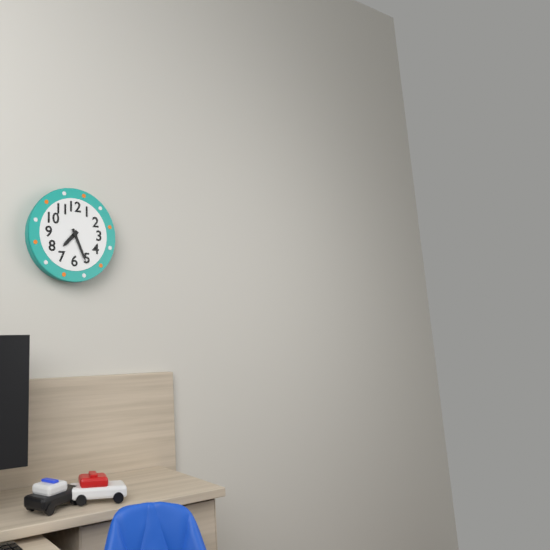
h=7 m=26
